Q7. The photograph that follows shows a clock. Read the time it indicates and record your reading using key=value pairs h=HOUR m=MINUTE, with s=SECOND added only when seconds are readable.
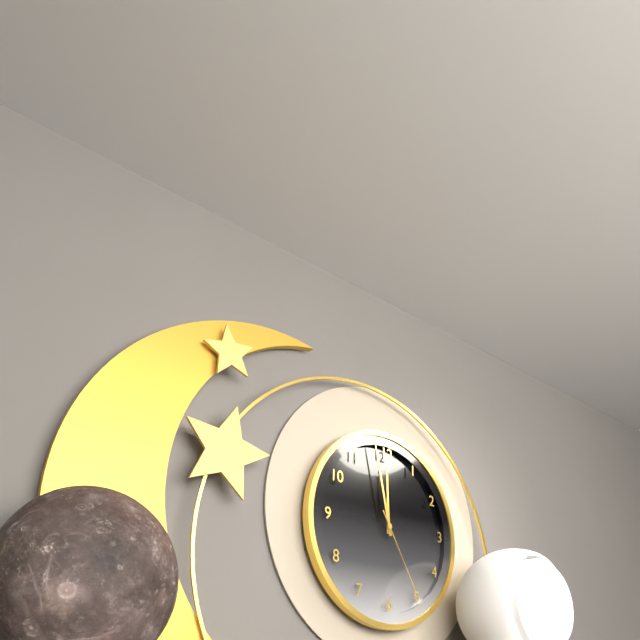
h=11 m=58 s=25
